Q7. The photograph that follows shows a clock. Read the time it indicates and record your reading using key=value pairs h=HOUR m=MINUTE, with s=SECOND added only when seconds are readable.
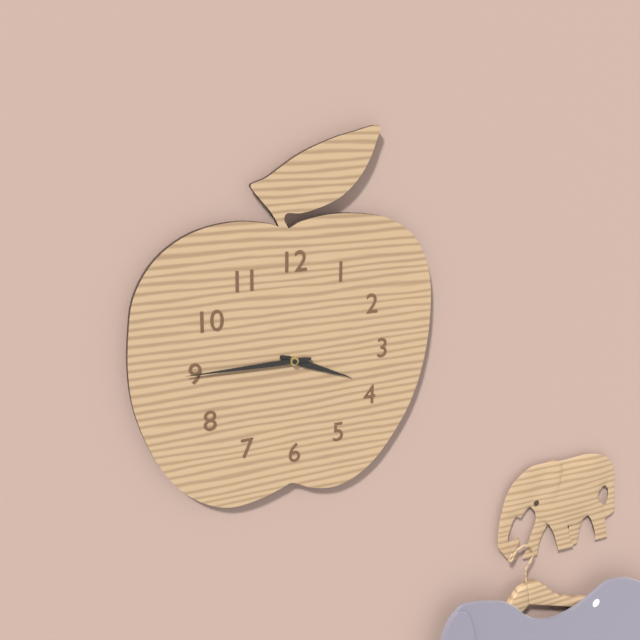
h=3 m=45
